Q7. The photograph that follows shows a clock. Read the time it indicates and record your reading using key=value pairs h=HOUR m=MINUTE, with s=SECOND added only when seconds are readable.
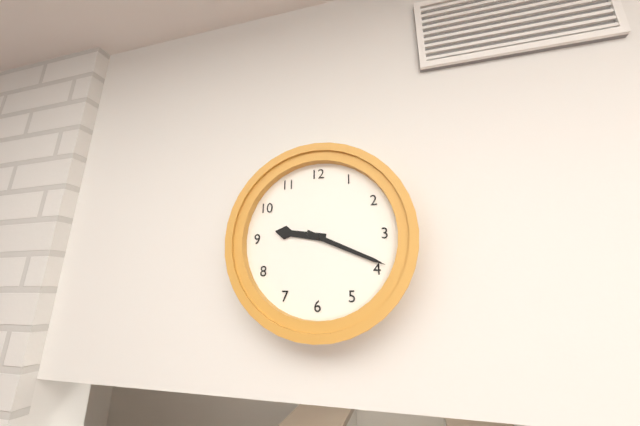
h=9 m=19
